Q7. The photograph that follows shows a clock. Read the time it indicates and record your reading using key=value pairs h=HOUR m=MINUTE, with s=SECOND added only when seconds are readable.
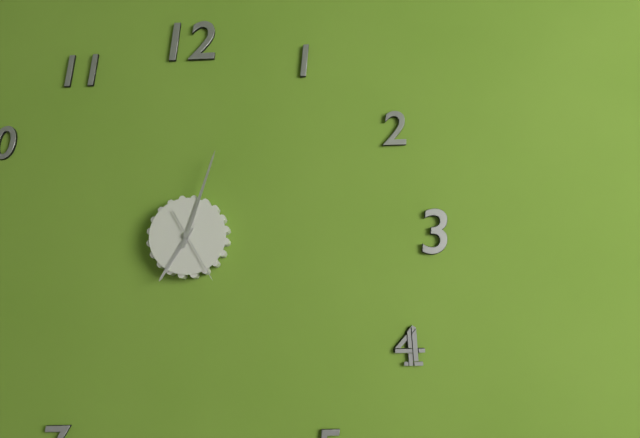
h=7 m=3 s=25
